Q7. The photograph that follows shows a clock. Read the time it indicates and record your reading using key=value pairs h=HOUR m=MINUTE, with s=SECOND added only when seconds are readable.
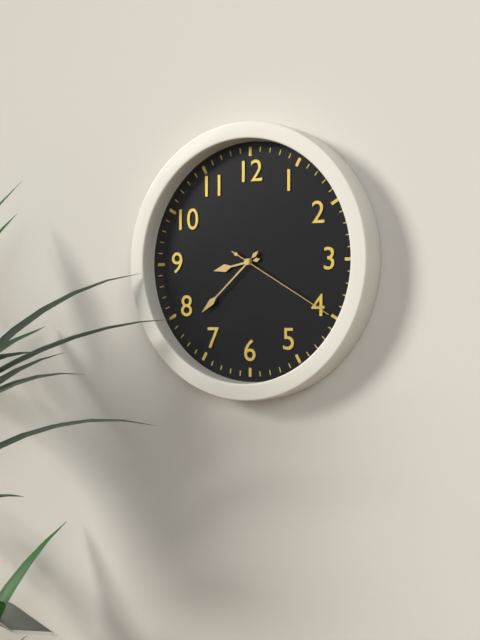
h=8 m=38 s=20
